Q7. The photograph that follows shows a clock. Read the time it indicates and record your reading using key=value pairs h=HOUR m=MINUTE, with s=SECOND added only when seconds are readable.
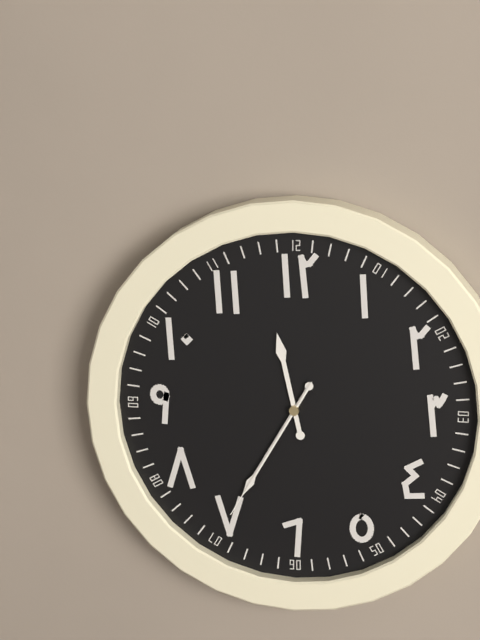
h=11 m=35 s=35
